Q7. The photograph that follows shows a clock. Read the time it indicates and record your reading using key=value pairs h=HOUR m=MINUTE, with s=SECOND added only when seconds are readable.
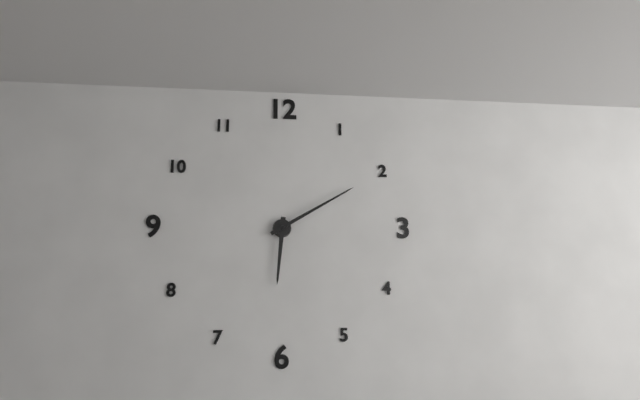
h=6 m=10
